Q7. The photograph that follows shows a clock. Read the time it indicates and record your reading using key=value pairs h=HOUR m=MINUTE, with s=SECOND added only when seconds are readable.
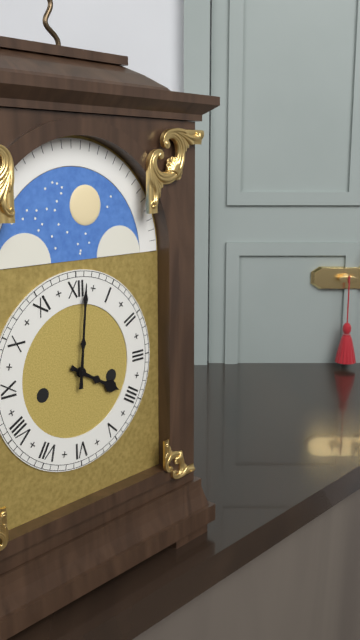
h=4 m=1
